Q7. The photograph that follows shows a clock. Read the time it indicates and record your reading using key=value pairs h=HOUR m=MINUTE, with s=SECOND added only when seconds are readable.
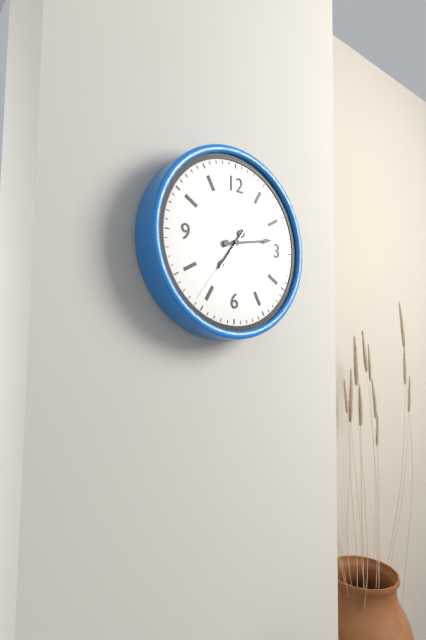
h=7 m=13 s=36
